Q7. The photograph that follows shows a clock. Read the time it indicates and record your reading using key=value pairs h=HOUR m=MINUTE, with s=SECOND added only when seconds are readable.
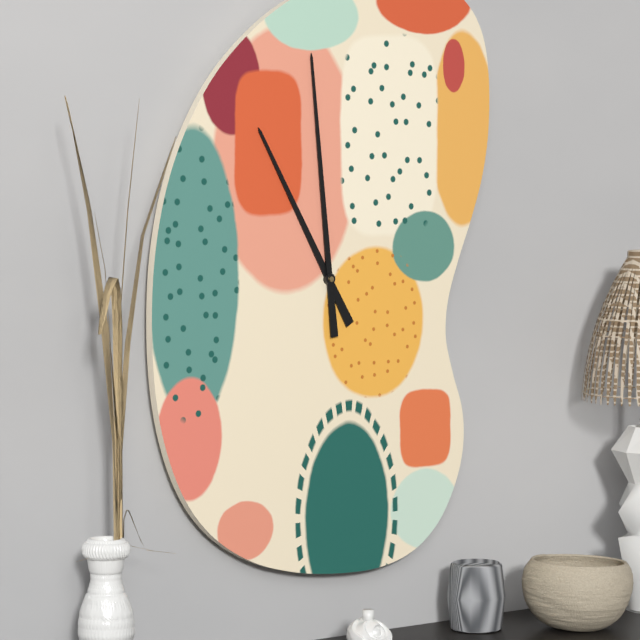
h=10 m=59
